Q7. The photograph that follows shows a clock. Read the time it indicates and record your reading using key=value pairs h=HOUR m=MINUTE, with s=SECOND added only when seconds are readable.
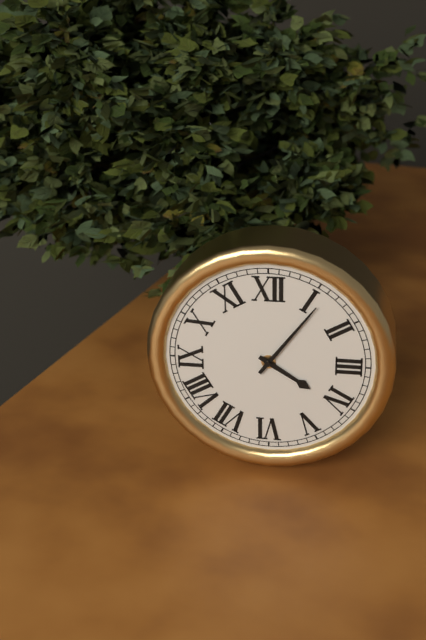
h=4 m=6
